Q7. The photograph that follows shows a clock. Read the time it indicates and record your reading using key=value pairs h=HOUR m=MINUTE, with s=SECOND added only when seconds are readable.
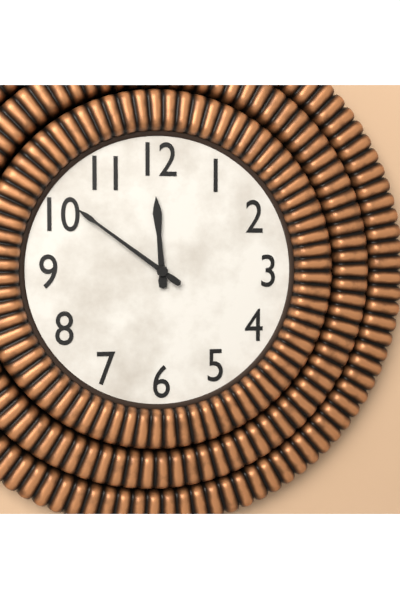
h=11 m=51
